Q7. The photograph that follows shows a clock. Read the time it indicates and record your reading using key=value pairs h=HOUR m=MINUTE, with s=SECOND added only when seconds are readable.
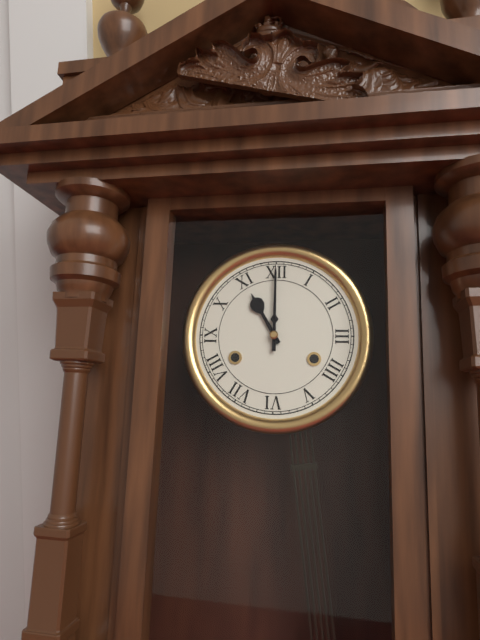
h=11 m=0
